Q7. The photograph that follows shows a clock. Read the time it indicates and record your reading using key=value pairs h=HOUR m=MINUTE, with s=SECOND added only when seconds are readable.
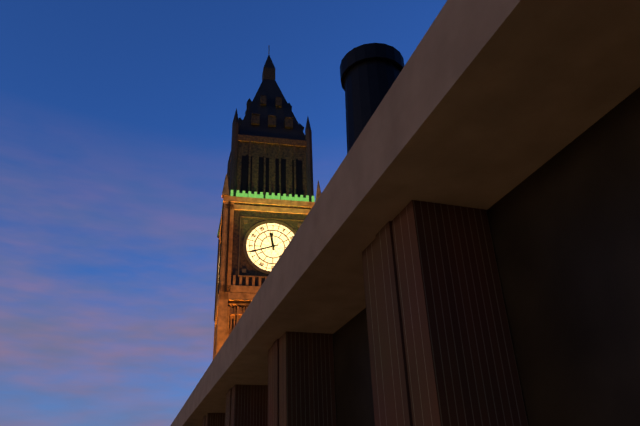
h=11 m=42
